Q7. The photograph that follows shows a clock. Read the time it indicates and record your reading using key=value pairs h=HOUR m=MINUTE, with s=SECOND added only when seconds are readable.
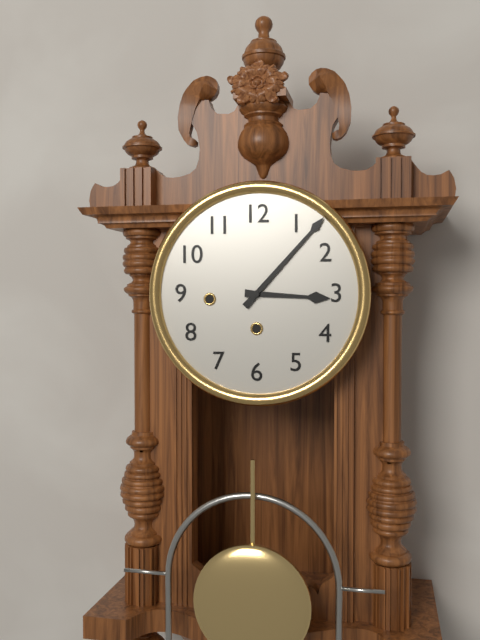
h=3 m=7
